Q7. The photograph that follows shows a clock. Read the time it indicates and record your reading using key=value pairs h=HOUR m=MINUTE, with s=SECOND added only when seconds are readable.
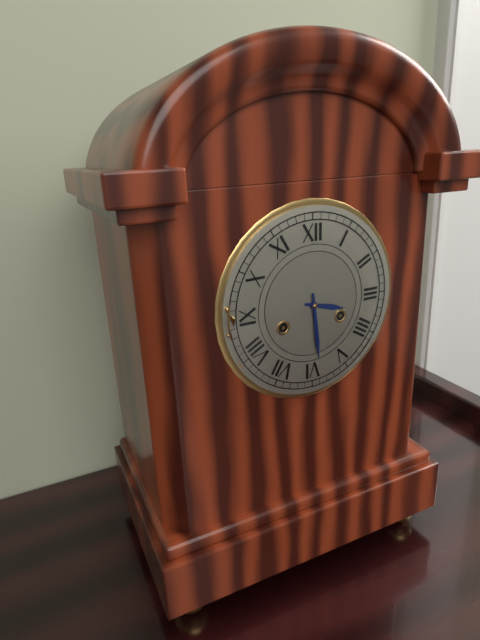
h=3 m=29
